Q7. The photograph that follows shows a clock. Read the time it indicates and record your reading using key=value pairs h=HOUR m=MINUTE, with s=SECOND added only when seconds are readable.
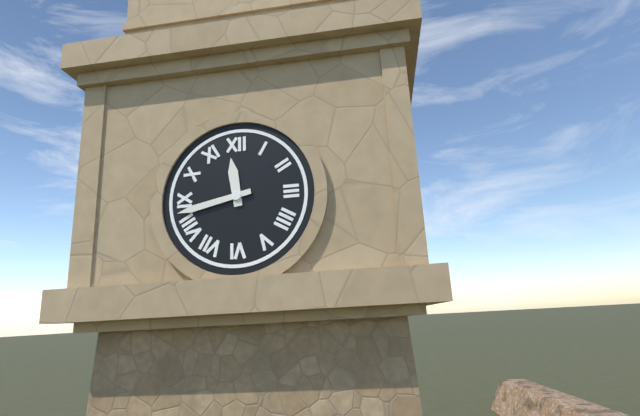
h=11 m=43
